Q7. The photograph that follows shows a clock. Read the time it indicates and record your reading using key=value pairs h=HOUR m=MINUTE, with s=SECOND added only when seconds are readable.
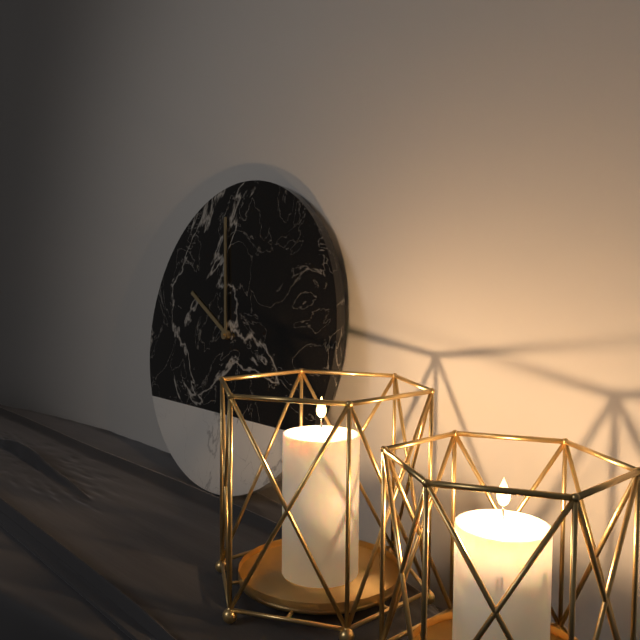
h=9 m=58
